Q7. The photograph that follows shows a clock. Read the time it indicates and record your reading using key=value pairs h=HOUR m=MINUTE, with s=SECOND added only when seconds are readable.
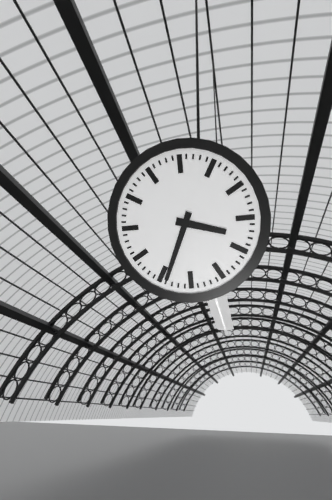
h=3 m=34
